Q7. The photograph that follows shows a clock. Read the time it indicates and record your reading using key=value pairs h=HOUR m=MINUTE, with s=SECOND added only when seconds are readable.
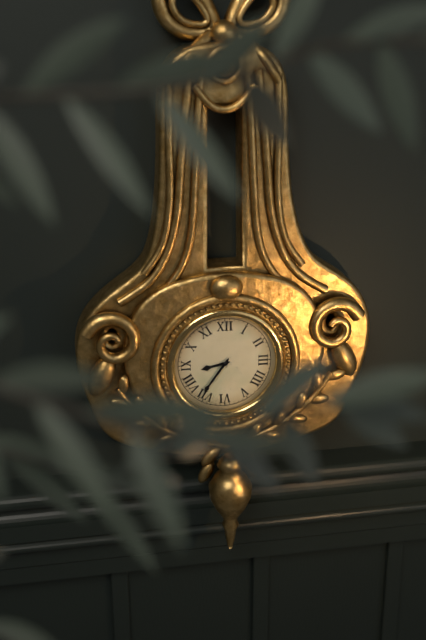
h=8 m=36
